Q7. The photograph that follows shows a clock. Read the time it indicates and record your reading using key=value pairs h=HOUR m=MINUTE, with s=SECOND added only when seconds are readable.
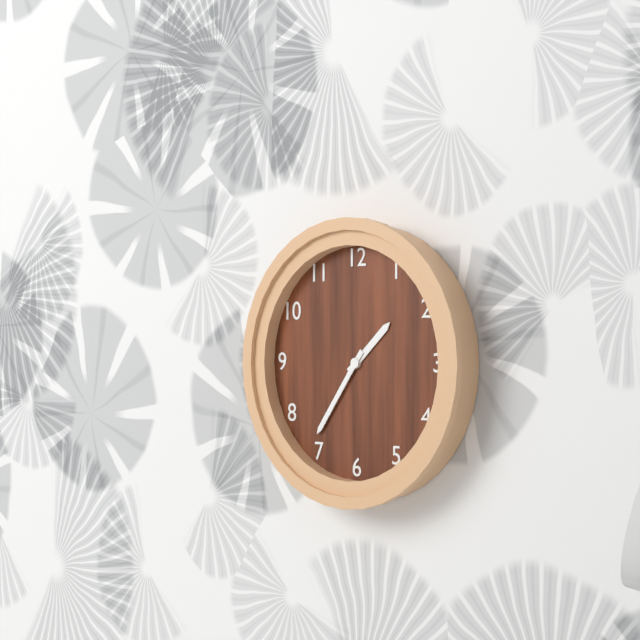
h=1 m=36
